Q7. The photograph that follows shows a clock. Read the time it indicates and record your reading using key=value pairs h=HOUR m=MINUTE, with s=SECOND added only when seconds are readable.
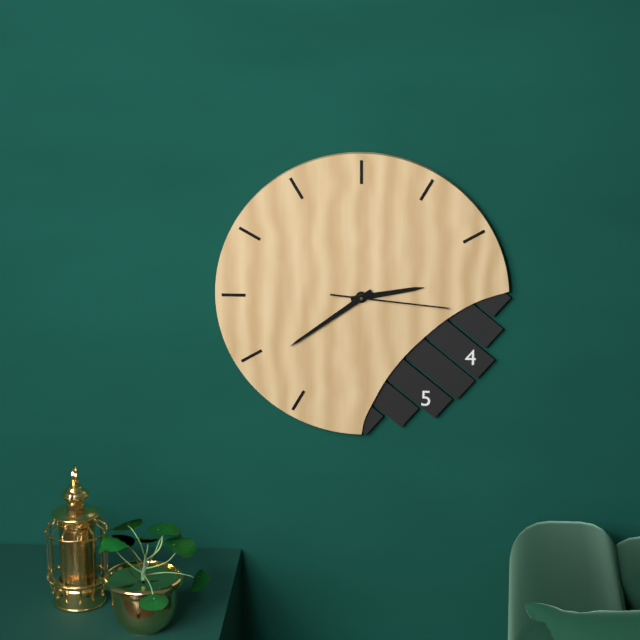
h=2 m=39 s=16
